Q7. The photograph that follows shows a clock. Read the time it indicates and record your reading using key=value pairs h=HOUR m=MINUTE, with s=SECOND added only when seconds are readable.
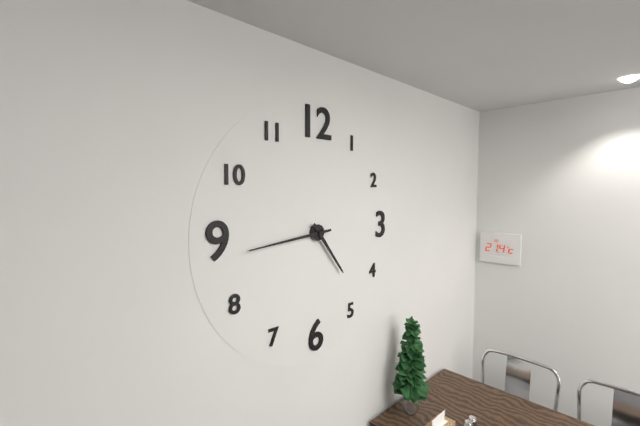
h=4 m=44
